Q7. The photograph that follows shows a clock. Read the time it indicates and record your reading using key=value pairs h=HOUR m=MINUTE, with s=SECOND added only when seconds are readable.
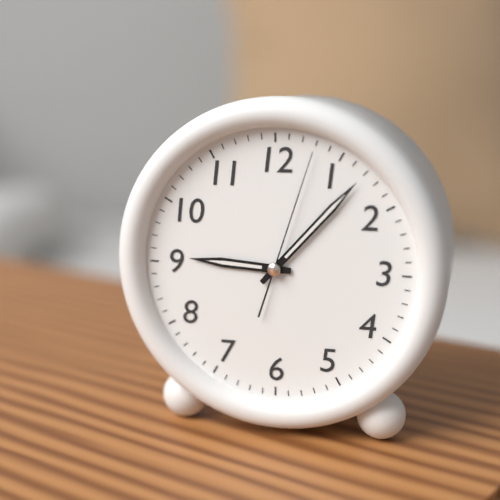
h=9 m=7 s=3
